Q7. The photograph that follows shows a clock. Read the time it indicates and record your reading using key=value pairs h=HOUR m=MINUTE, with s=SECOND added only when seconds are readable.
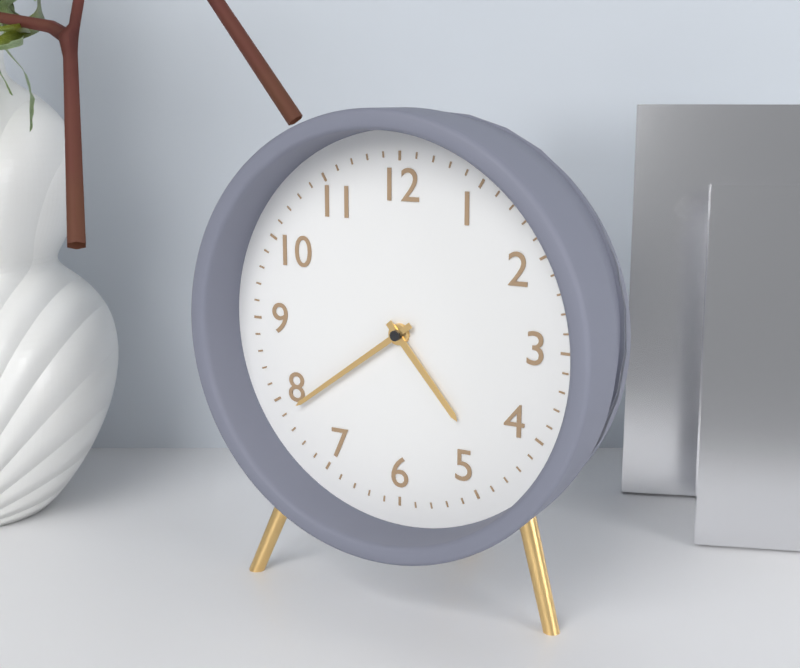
h=4 m=39
